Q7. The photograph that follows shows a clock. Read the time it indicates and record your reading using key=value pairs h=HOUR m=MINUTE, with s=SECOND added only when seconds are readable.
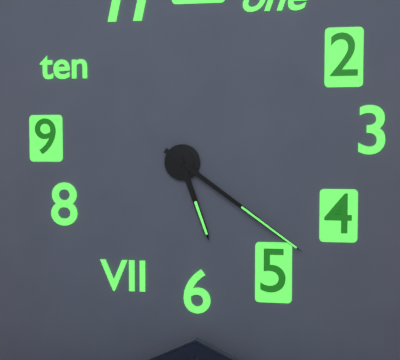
h=5 m=21
